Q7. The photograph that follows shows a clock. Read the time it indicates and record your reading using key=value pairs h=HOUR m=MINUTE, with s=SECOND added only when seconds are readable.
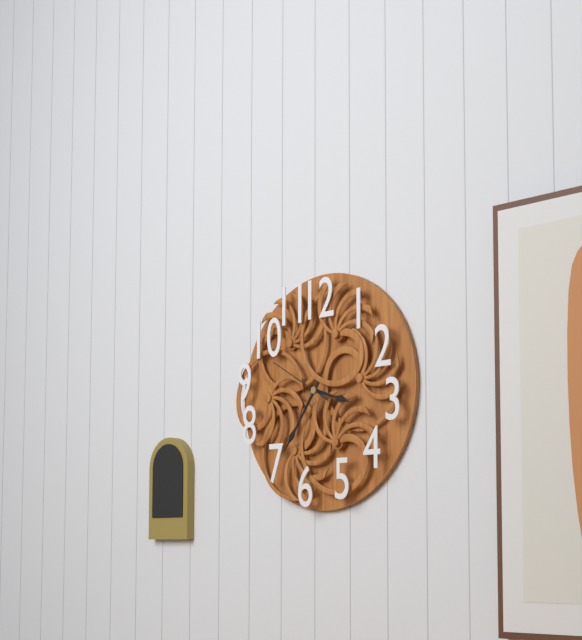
h=3 m=36 s=50
